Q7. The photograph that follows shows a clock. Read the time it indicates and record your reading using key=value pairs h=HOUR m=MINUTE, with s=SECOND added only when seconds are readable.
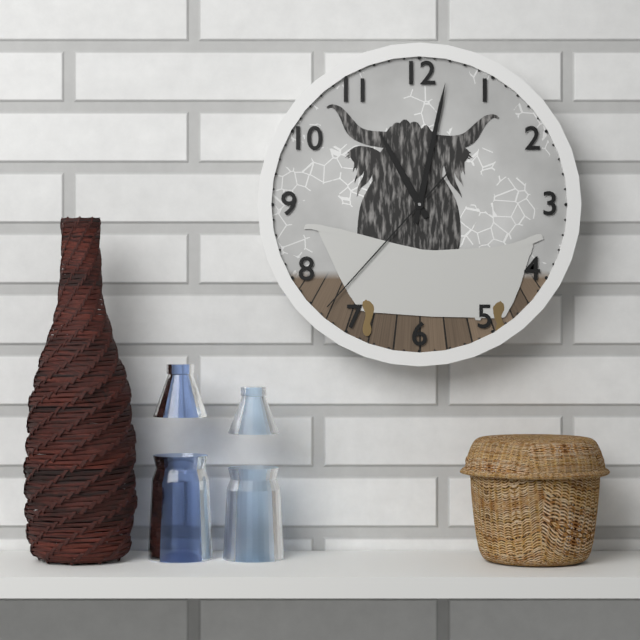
h=11 m=2 s=37
